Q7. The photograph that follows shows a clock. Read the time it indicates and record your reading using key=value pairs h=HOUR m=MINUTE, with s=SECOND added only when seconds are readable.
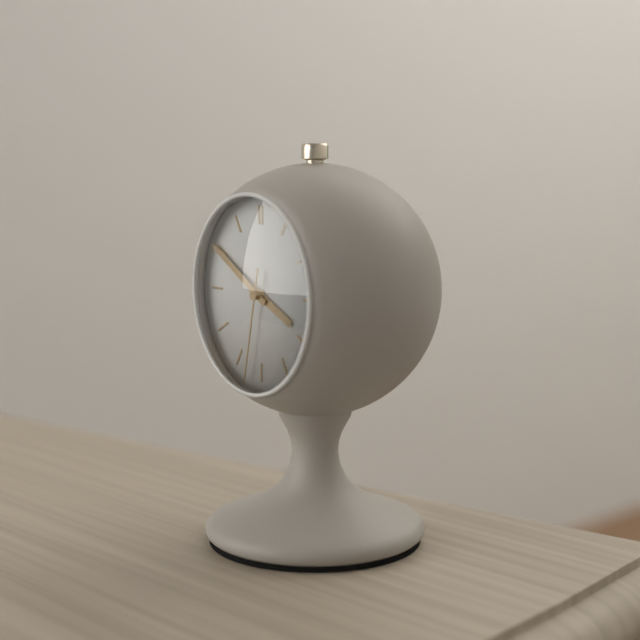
h=3 m=50 s=32
